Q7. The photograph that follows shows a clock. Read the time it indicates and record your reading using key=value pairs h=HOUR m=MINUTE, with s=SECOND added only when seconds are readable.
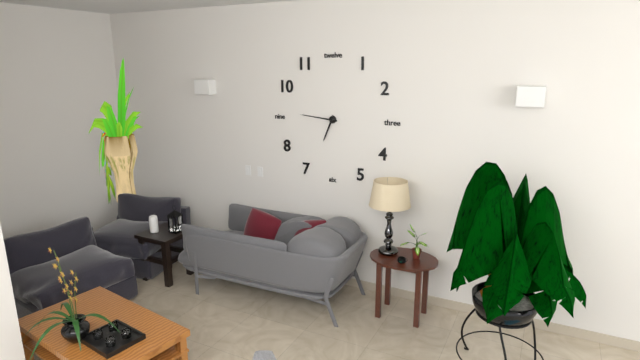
h=6 m=46
